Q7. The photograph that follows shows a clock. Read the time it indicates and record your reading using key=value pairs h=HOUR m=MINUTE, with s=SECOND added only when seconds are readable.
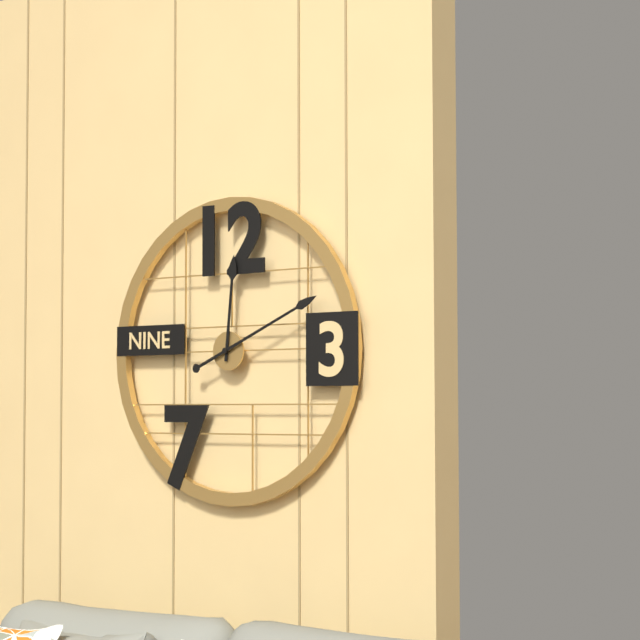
h=12 m=11
